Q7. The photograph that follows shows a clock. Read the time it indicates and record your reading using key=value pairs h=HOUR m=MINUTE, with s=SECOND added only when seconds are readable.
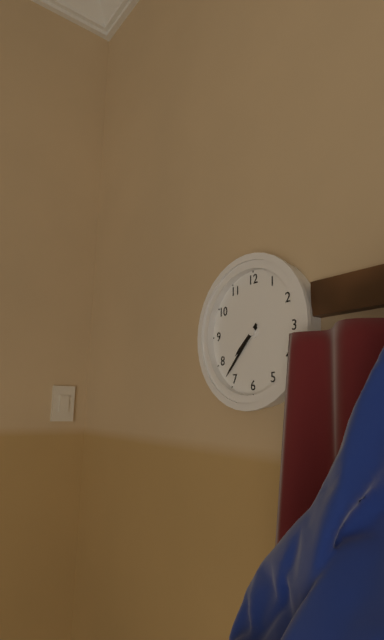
h=7 m=37
